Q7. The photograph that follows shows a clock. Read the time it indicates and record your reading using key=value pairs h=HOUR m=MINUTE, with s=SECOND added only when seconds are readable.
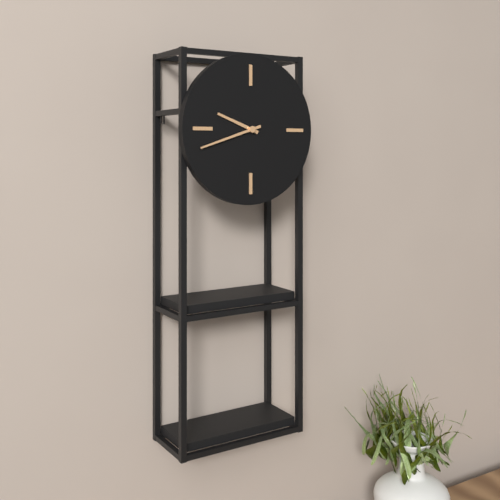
h=9 m=42
